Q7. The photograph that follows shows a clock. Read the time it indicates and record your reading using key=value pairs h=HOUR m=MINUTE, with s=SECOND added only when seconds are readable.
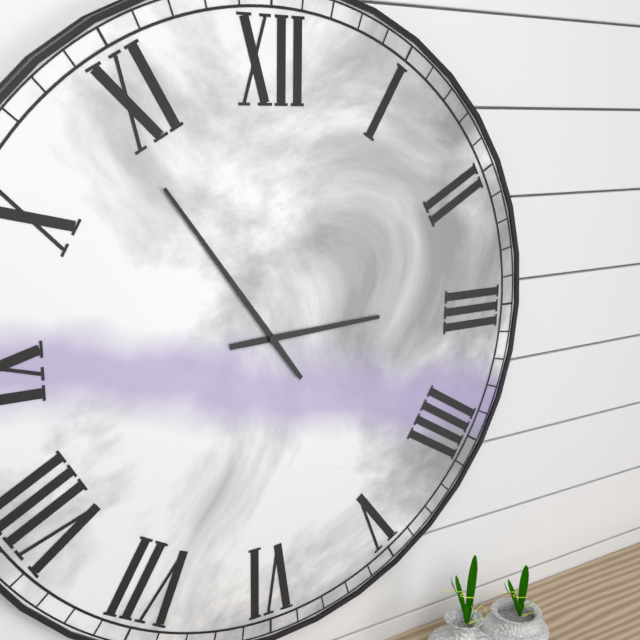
h=2 m=54
